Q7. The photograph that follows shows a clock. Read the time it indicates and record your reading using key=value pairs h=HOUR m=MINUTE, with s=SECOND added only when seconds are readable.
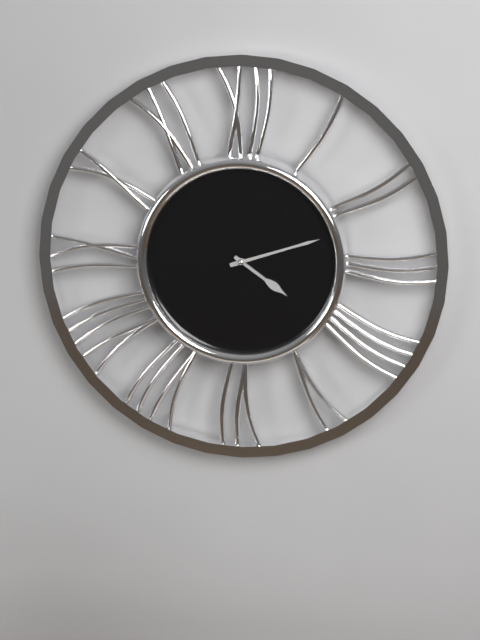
h=4 m=12
